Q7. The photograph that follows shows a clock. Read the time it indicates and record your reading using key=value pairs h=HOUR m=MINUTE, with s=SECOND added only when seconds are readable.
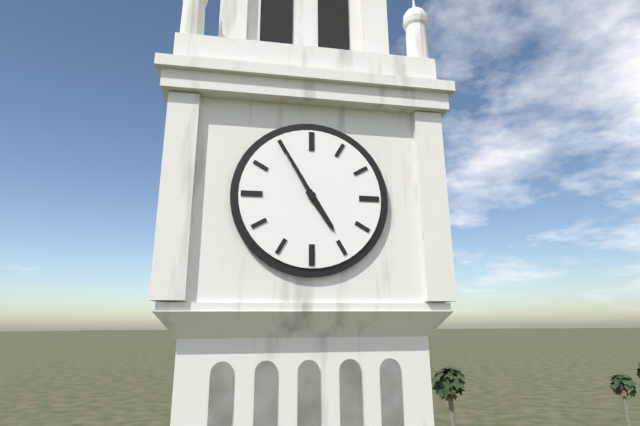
h=4 m=55
